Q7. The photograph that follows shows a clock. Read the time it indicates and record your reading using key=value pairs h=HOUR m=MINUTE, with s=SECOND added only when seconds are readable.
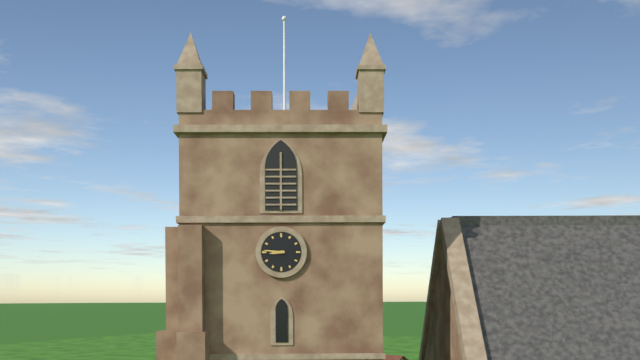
h=8 m=46
